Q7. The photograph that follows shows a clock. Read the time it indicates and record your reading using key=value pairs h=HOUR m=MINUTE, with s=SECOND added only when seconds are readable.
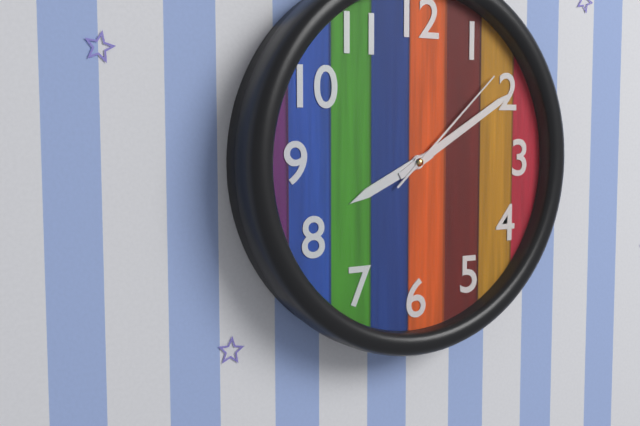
h=8 m=10 s=8
